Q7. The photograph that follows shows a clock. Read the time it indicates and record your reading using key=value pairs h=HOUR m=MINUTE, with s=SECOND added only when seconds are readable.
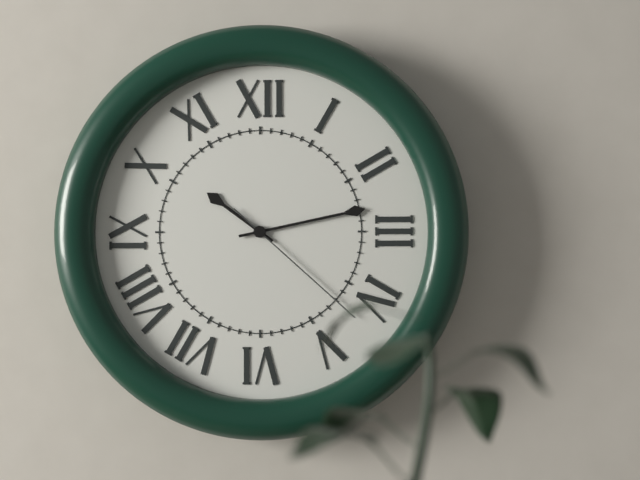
h=10 m=13 s=22
